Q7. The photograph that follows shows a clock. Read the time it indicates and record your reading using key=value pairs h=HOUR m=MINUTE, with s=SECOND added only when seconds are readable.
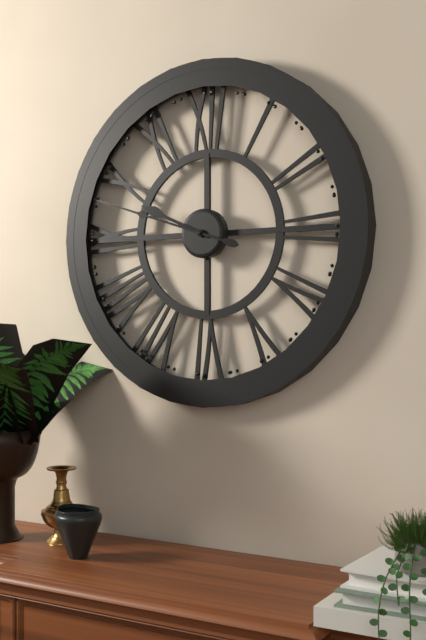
h=9 m=48
